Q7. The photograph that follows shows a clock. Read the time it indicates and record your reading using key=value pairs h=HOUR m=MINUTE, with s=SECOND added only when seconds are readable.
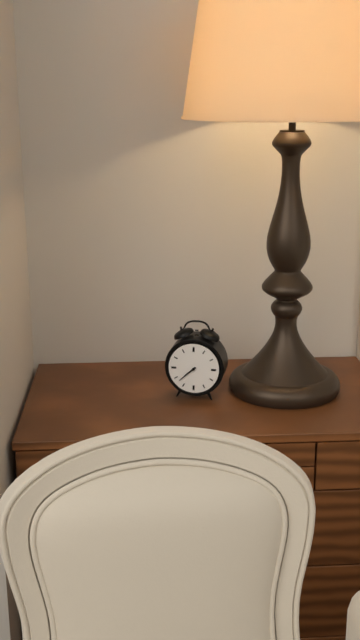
h=7 m=38
